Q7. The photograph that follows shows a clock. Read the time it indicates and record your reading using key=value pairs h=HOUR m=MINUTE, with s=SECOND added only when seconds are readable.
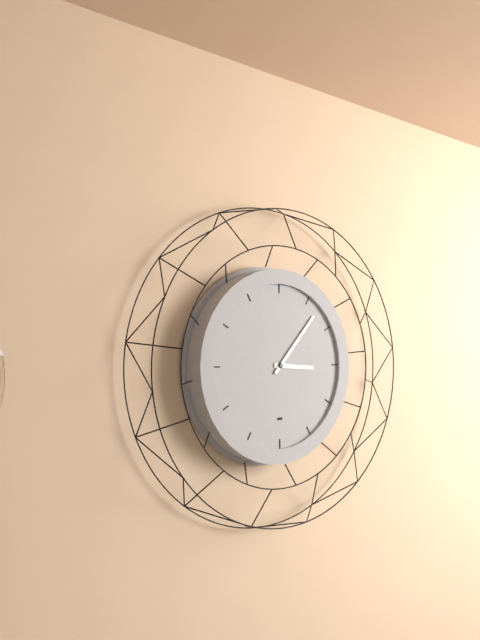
h=3 m=7
